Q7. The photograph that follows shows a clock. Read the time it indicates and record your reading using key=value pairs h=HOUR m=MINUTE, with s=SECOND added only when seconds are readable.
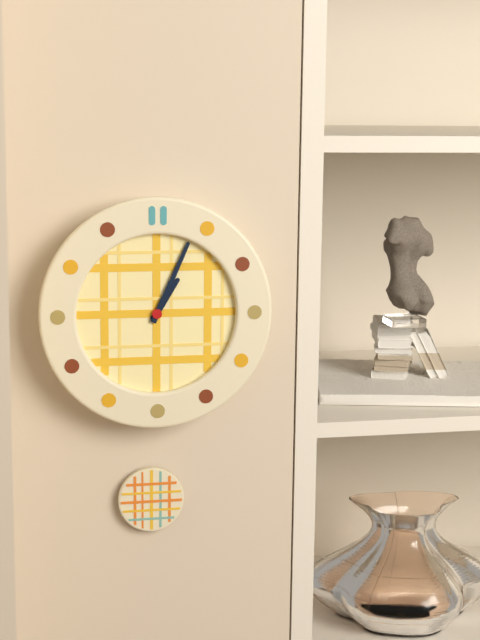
h=1 m=4
